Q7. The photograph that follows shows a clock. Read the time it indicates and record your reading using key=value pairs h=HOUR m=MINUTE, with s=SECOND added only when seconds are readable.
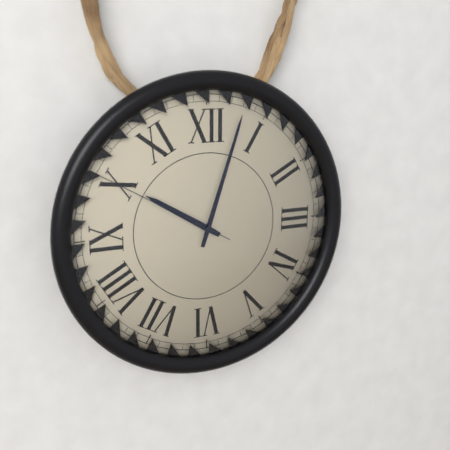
h=10 m=3 s=50
